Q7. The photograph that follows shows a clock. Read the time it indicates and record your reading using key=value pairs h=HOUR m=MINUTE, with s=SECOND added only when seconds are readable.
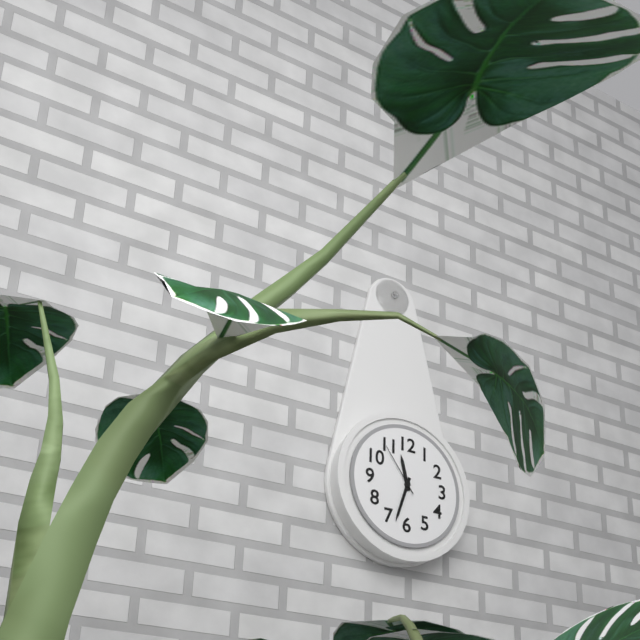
h=11 m=33 s=54
